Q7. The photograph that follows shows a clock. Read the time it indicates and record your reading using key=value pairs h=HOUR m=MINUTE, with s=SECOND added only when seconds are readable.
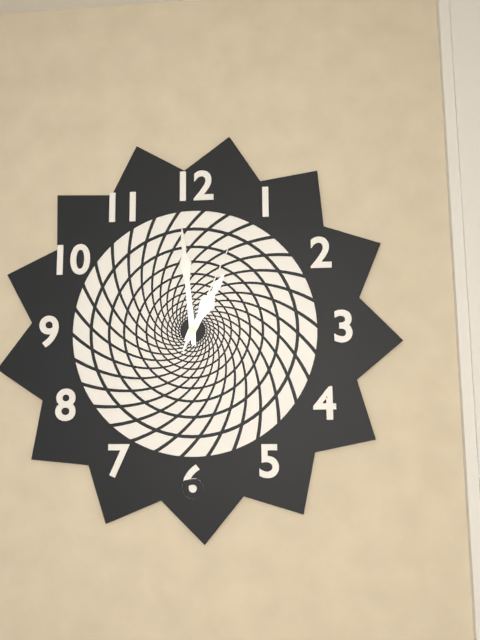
h=12 m=59 s=4
